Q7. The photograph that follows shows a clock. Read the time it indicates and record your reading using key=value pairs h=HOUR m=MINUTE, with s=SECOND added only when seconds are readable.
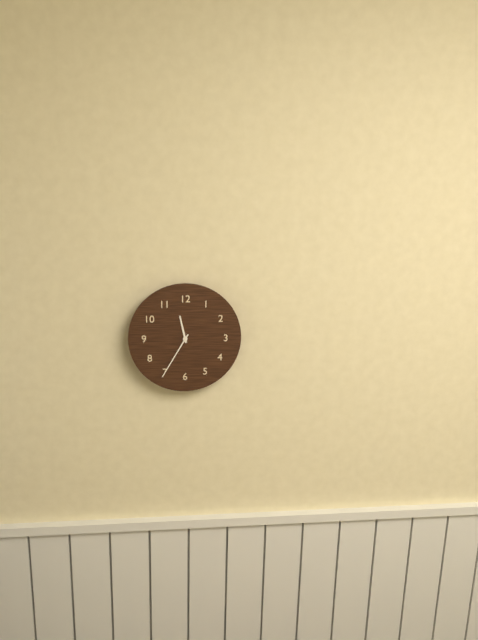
h=11 m=35
